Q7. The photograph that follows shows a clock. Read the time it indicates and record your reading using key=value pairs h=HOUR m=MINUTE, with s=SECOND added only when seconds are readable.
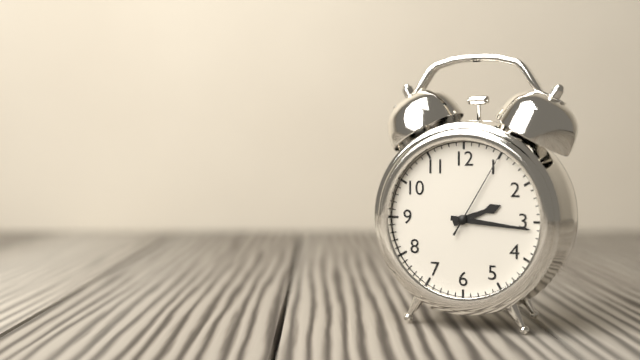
h=2 m=16 s=5
